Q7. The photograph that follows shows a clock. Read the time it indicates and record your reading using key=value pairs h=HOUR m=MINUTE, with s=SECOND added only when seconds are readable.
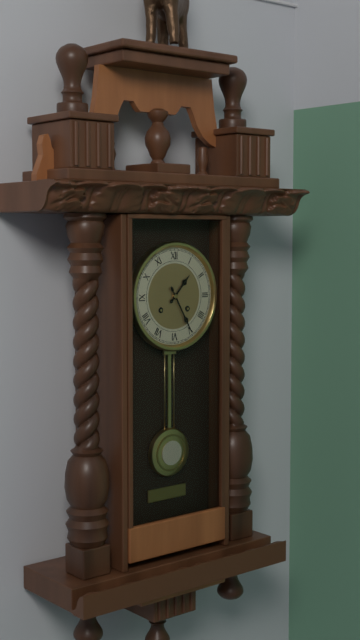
h=1 m=25
